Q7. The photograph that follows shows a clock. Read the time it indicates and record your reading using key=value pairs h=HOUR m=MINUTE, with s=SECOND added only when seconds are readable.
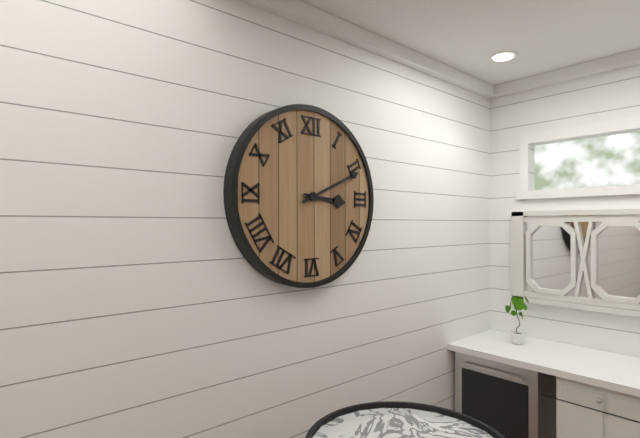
h=3 m=11
